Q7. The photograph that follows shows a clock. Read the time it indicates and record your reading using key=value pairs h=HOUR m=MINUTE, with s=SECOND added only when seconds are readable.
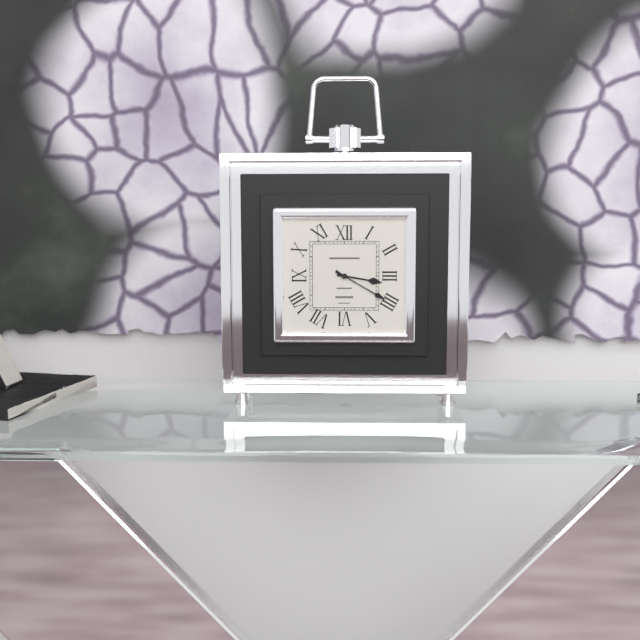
h=3 m=20
